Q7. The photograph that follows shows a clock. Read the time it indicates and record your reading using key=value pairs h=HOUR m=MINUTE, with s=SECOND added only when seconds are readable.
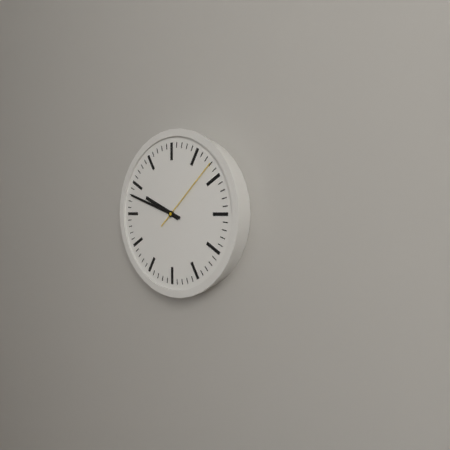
h=9 m=48 s=8
